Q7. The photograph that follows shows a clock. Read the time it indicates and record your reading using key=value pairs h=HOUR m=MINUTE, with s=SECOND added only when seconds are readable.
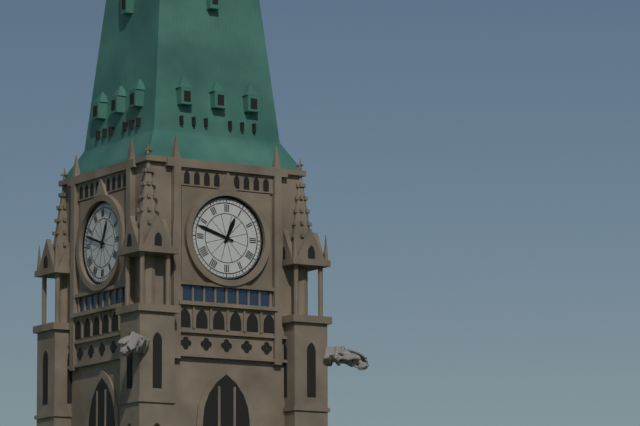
h=12 m=48
